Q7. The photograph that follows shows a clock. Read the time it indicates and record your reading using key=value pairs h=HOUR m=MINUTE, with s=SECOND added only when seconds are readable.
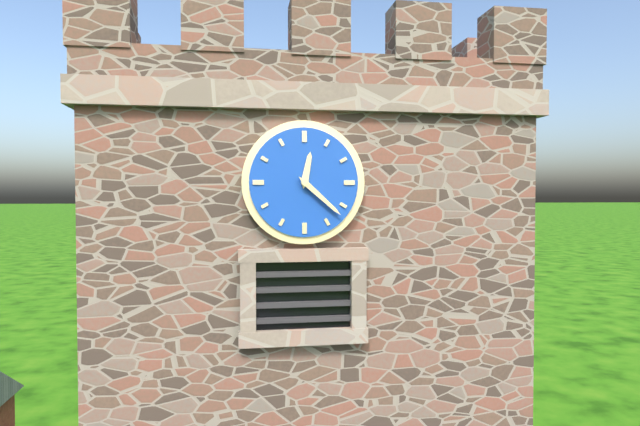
h=12 m=22
